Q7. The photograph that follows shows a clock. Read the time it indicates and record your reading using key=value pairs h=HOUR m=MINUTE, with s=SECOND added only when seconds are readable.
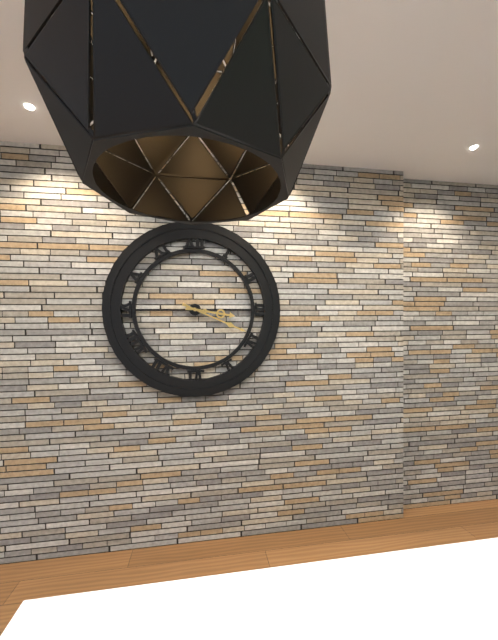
h=3 m=19
